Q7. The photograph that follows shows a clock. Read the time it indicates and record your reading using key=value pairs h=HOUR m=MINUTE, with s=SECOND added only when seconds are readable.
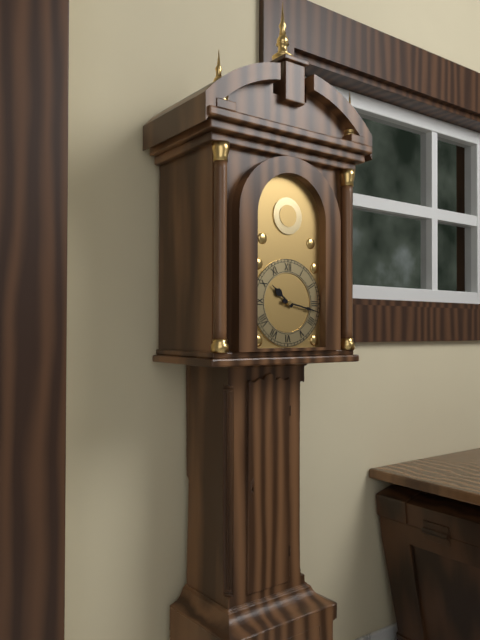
h=10 m=17
